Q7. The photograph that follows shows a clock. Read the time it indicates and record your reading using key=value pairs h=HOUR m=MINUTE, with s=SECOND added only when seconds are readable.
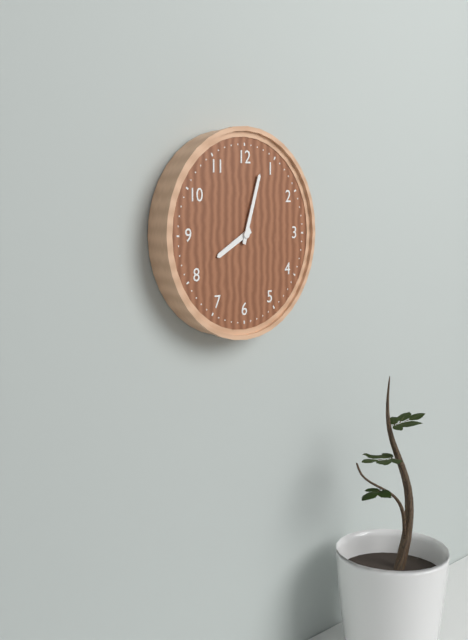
h=8 m=3
